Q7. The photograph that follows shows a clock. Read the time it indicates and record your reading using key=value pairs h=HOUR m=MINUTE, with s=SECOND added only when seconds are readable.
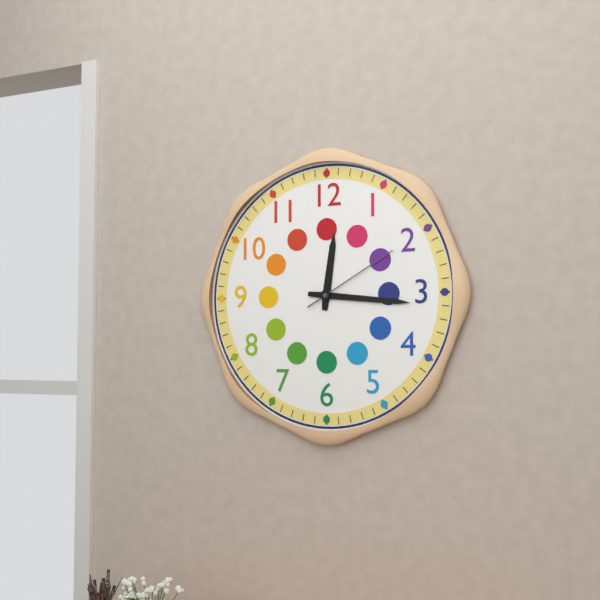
h=12 m=16 s=10
